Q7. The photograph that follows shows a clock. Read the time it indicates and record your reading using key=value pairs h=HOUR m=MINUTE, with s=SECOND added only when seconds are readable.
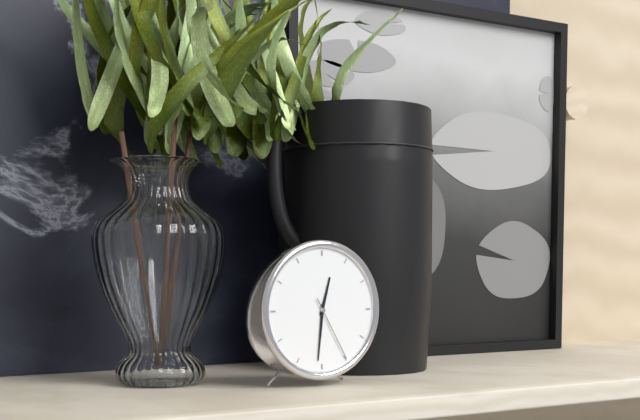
h=12 m=31 s=25
